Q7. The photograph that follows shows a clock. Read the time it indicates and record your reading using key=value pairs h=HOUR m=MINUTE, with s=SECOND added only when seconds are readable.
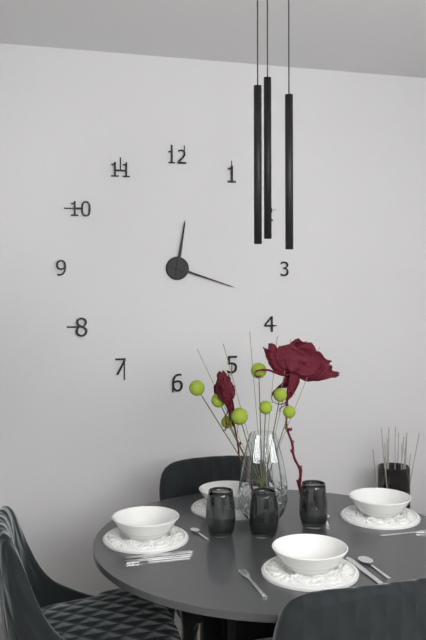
h=12 m=18
